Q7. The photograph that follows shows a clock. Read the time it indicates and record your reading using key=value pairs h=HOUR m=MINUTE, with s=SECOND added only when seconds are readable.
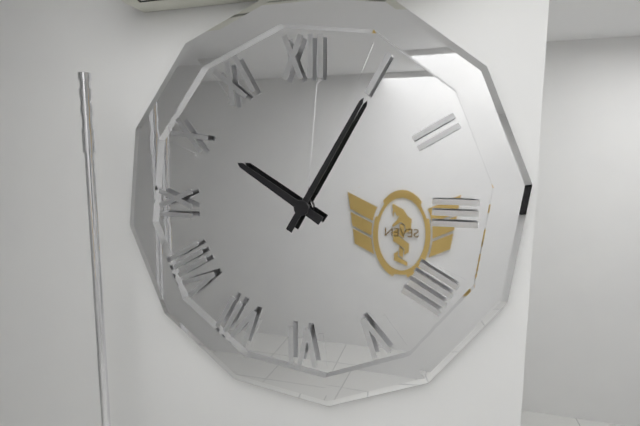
h=10 m=5
